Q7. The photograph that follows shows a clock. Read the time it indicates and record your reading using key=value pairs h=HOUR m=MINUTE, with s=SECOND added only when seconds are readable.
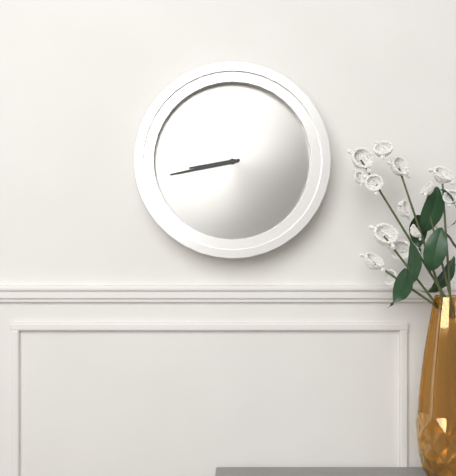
h=8 m=43
